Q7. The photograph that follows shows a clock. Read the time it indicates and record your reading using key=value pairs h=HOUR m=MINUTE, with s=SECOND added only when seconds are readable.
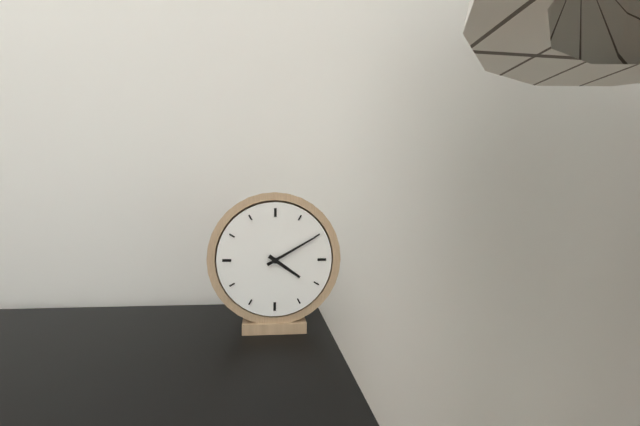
h=4 m=10
